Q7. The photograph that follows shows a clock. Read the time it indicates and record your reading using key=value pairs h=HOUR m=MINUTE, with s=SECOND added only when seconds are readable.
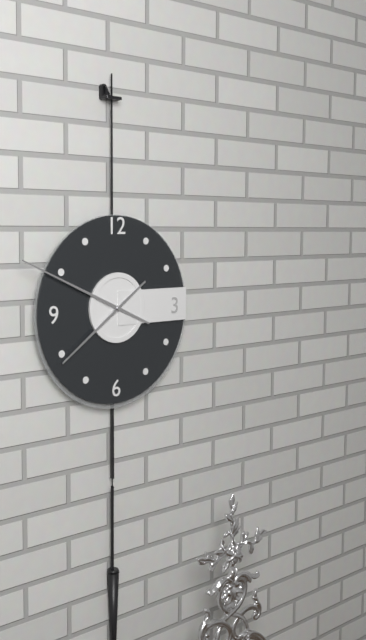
h=7 m=49
